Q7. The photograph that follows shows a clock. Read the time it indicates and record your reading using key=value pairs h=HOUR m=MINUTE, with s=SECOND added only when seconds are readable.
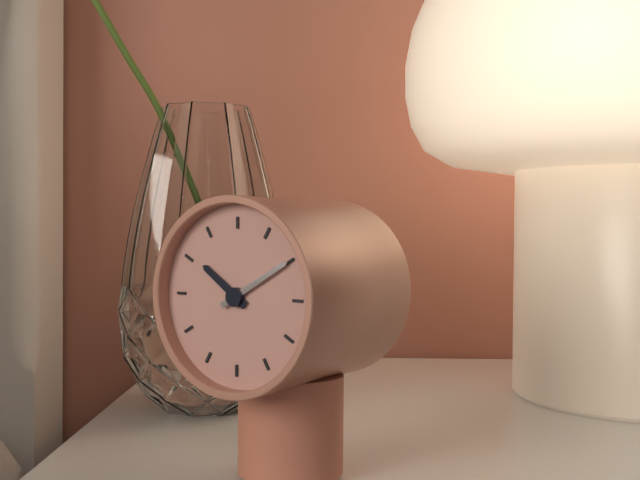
h=10 m=10
